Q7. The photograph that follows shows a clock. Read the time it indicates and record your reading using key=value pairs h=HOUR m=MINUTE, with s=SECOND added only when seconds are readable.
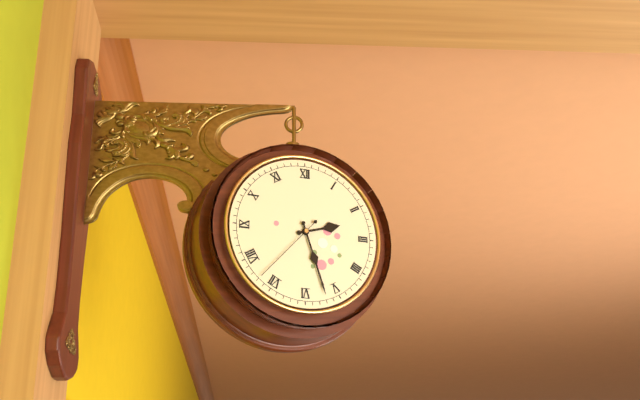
h=2 m=27 s=37
